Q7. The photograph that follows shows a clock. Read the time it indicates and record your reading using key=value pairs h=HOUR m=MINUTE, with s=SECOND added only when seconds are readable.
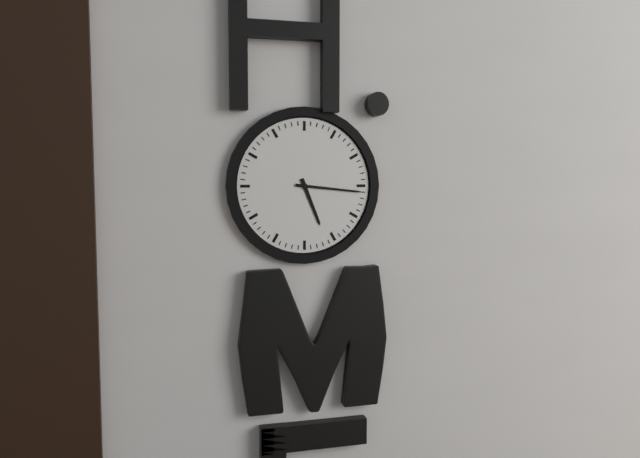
h=5 m=16
